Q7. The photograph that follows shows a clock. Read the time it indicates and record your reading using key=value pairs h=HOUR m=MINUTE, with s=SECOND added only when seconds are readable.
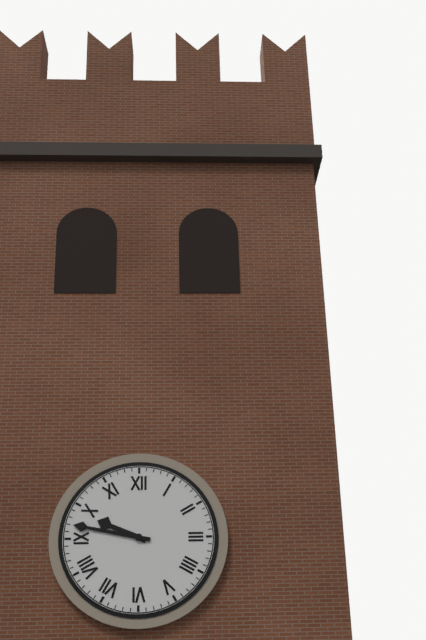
h=9 m=47
